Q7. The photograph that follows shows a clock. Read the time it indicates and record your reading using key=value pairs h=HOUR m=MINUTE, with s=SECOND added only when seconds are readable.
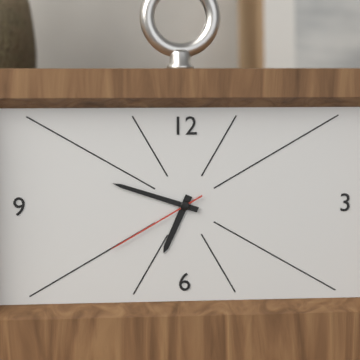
h=6 m=48 s=40
